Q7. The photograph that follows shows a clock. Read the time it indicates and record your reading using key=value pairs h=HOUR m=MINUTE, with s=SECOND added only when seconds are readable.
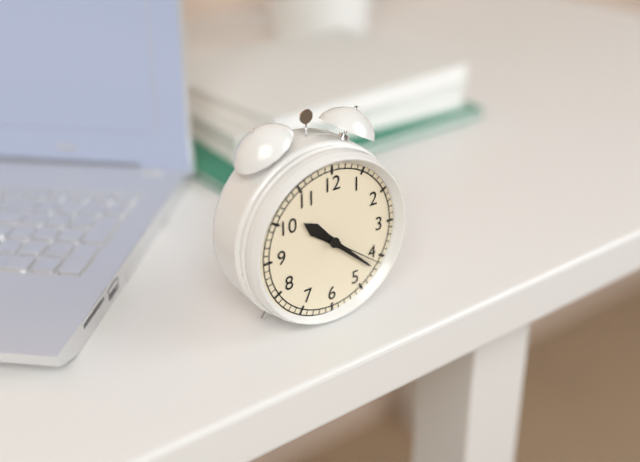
h=10 m=22 s=21
